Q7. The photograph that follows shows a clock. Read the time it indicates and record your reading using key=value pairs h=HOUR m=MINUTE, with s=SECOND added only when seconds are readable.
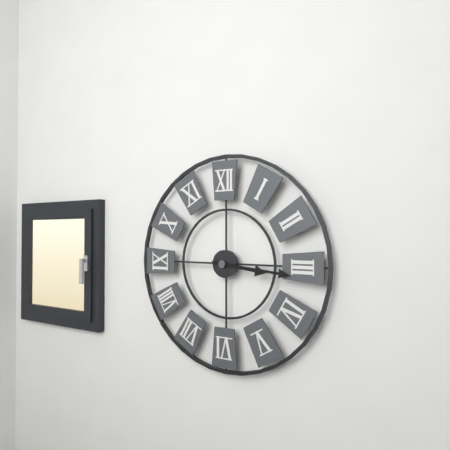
h=3 m=16
